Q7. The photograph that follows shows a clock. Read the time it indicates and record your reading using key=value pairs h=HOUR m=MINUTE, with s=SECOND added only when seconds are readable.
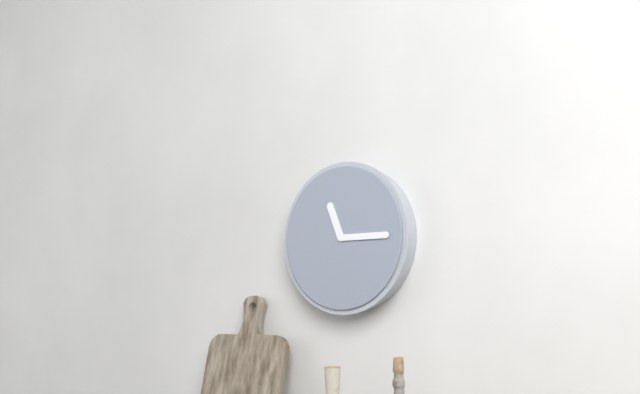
h=11 m=15
